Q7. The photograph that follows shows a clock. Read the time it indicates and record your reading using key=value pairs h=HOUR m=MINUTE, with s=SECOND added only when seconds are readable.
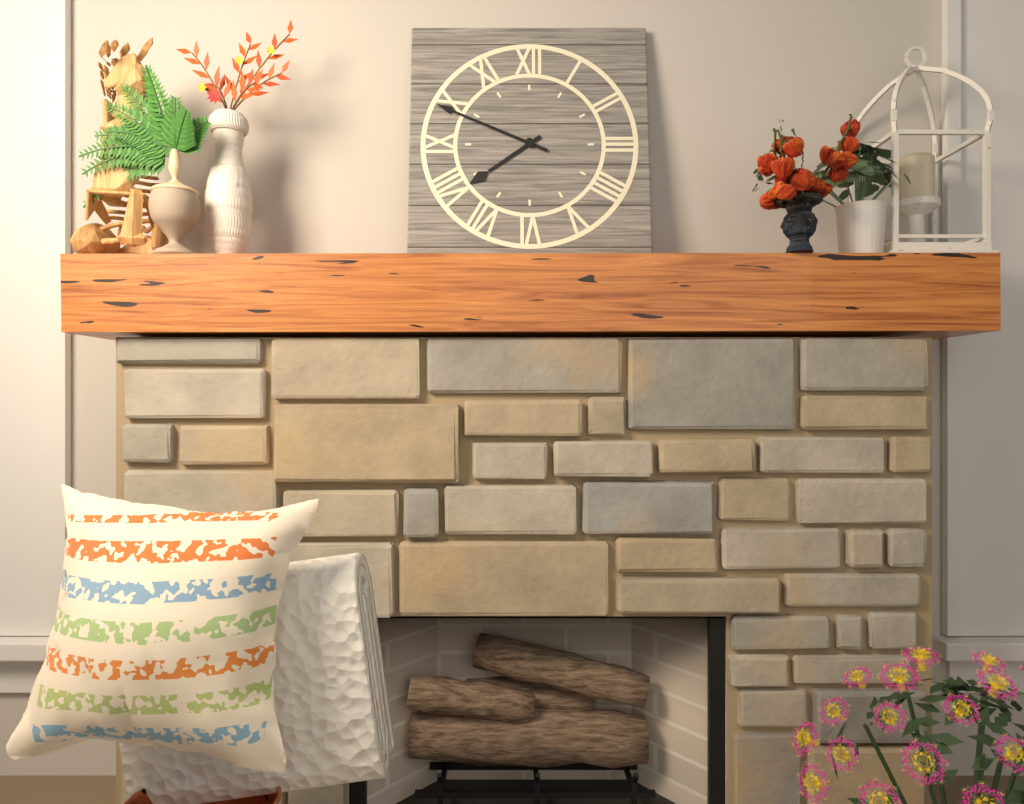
h=7 m=49
